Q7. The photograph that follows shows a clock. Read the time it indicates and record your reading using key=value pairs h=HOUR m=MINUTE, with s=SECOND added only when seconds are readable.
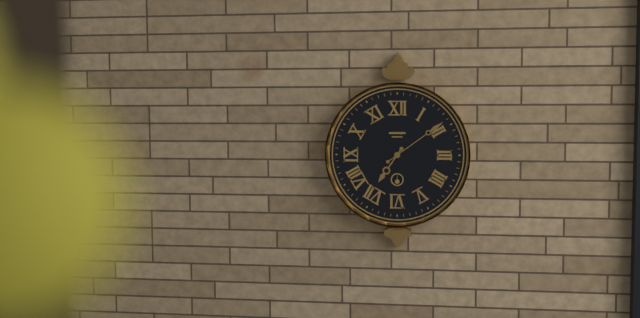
h=7 m=9
